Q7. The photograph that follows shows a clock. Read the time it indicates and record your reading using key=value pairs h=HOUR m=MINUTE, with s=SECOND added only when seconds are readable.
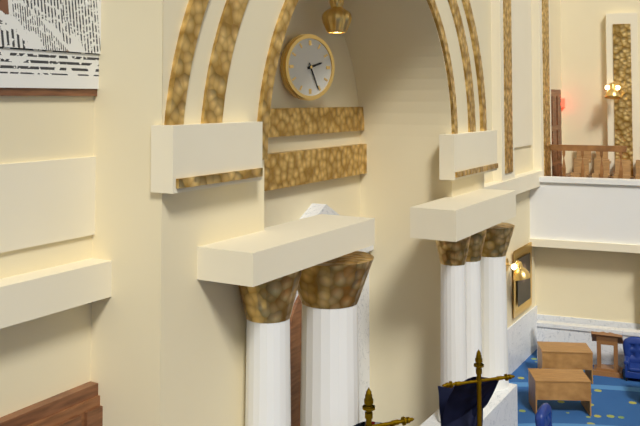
h=2 m=26
